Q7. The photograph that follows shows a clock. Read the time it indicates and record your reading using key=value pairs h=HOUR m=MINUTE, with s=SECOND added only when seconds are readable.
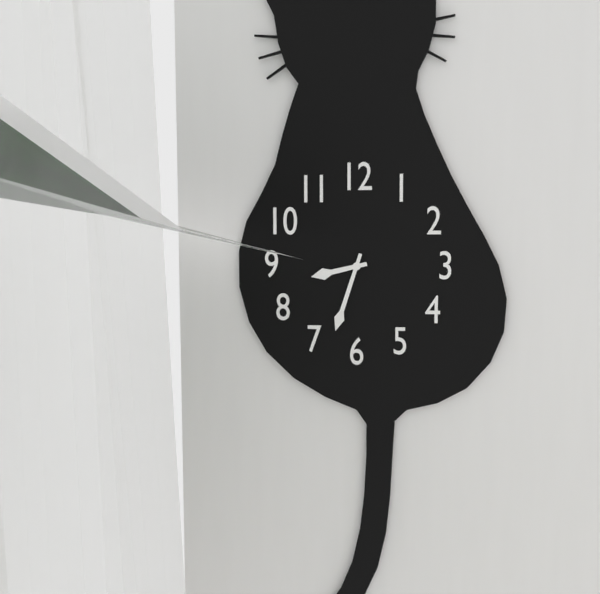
h=8 m=33
